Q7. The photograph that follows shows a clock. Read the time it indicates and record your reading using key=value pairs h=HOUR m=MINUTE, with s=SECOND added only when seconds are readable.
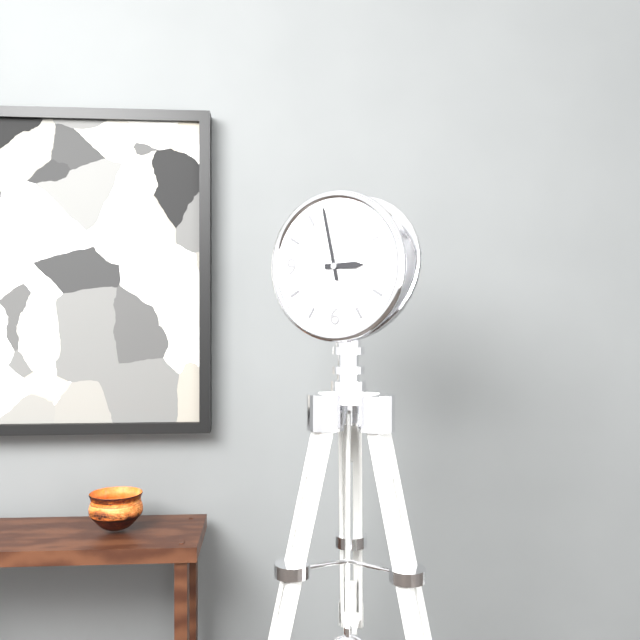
h=2 m=58
